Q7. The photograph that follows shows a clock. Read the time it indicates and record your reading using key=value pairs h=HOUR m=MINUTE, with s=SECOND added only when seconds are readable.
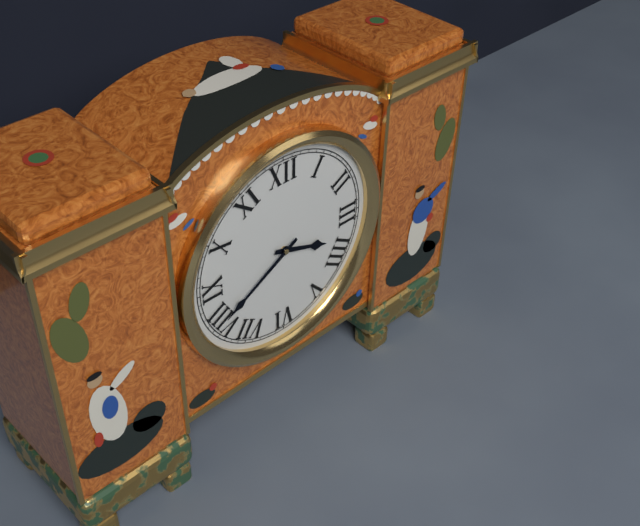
h=3 m=40
